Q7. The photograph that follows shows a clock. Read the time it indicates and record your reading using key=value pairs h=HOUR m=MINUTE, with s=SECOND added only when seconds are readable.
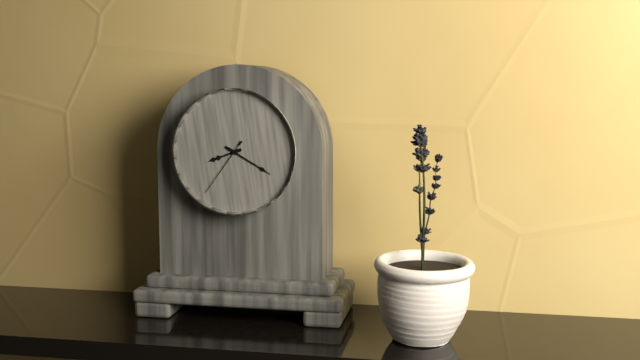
h=8 m=20 s=36
